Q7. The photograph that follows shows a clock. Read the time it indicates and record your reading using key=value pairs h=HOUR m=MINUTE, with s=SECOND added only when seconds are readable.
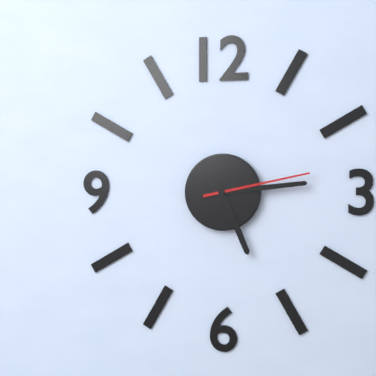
h=5 m=14 s=13
